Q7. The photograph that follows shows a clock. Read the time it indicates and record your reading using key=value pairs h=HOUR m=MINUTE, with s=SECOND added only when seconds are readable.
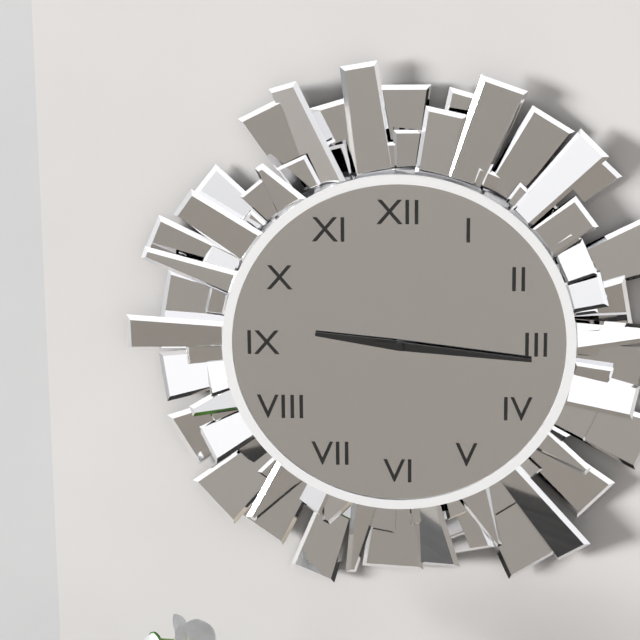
h=9 m=16
